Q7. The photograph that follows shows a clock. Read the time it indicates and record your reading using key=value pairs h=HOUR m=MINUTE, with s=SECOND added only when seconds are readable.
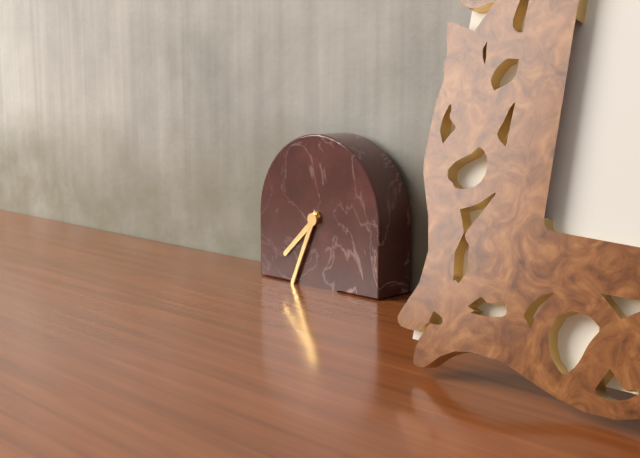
h=7 m=34
